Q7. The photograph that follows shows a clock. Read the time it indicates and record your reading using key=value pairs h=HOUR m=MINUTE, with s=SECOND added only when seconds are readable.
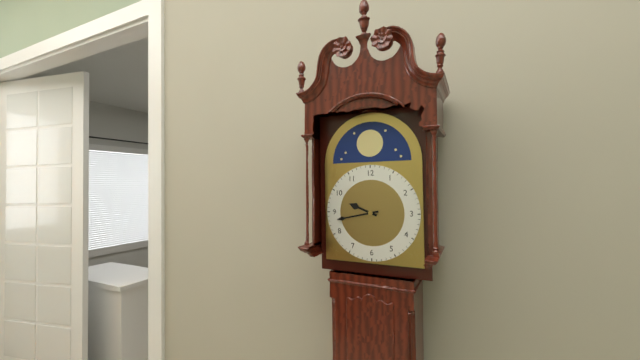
h=9 m=43
